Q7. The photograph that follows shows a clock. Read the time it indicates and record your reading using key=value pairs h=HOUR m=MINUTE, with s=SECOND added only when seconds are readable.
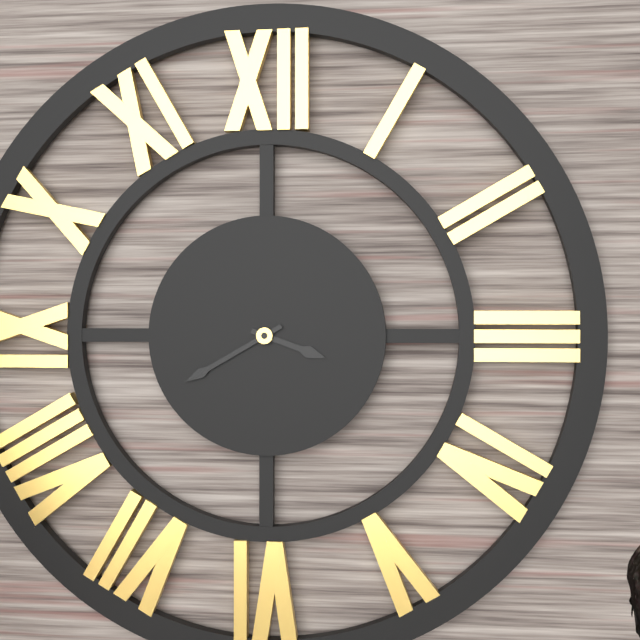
h=3 m=40
